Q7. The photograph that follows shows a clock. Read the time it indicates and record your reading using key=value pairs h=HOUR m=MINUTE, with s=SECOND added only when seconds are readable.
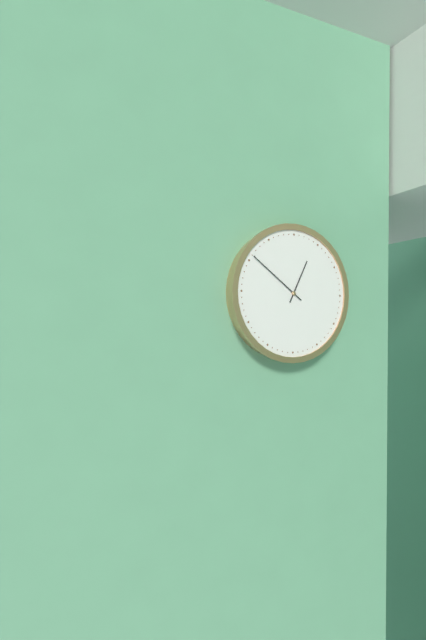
h=12 m=51
